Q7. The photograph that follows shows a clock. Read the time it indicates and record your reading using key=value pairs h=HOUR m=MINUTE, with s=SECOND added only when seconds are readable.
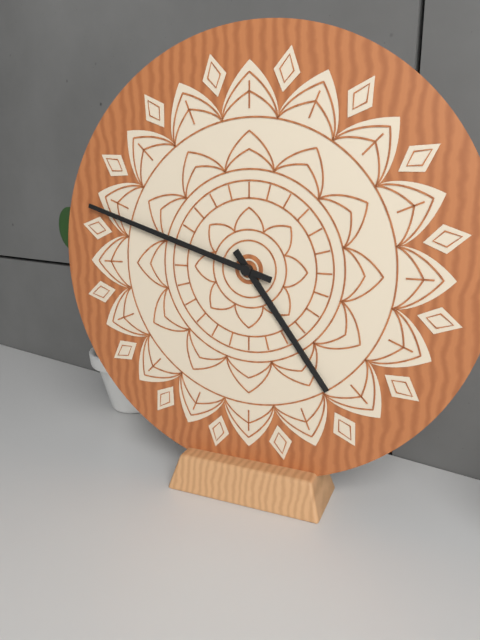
h=4 m=48
